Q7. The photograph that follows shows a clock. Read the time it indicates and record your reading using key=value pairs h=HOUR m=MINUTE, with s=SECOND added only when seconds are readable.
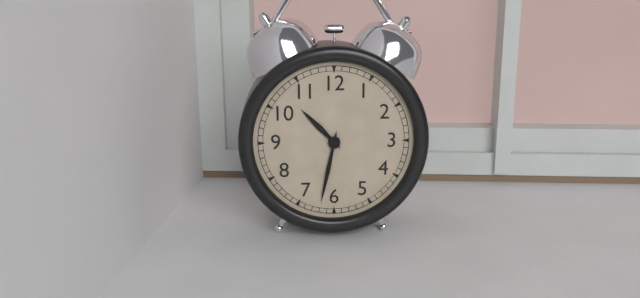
h=10 m=32
